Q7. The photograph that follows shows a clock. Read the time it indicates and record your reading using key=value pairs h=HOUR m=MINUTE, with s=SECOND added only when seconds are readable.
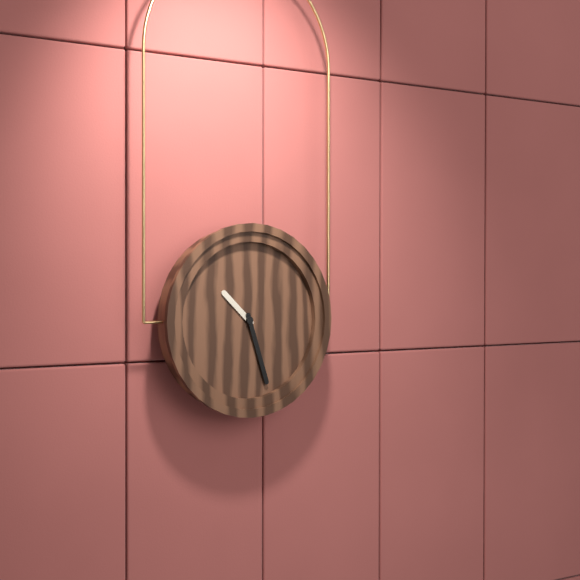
h=10 m=27
